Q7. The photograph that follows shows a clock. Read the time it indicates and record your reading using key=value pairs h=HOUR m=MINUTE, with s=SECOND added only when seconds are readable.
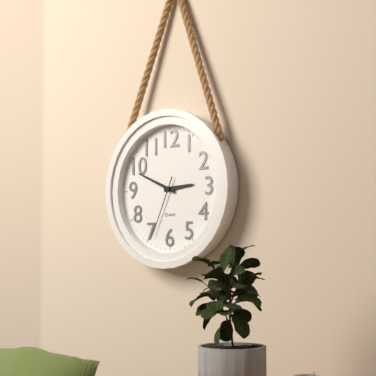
h=2 m=49 s=34
